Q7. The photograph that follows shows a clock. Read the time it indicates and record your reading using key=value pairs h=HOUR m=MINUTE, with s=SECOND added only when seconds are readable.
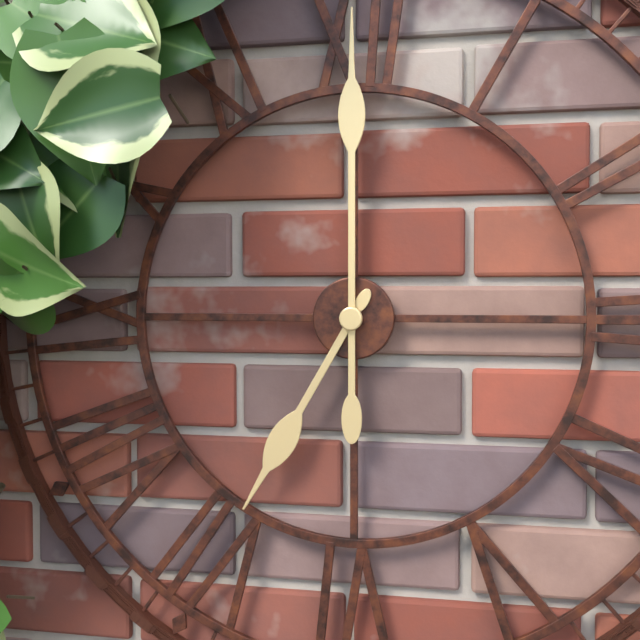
h=7 m=0
